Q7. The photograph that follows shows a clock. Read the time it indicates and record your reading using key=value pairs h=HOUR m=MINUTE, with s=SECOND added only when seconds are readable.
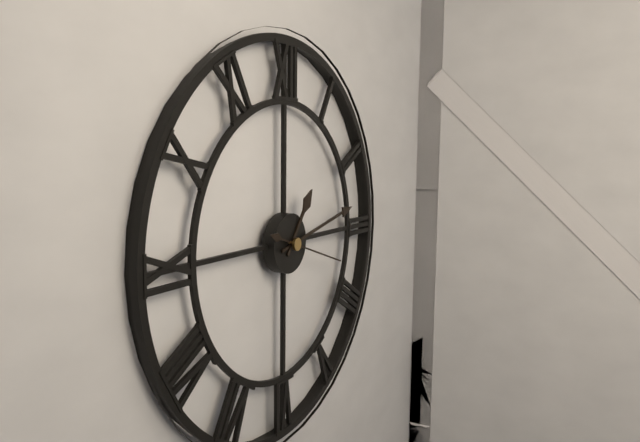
h=1 m=13 s=18
